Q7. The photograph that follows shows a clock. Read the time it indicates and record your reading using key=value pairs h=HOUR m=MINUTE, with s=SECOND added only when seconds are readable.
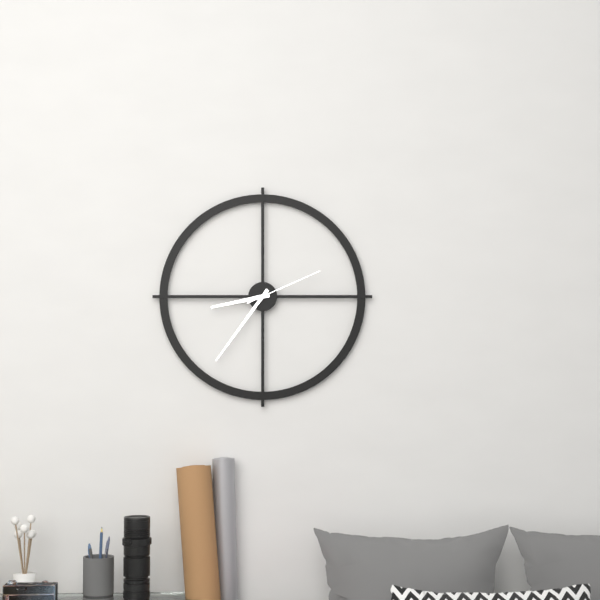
h=8 m=36 s=11
